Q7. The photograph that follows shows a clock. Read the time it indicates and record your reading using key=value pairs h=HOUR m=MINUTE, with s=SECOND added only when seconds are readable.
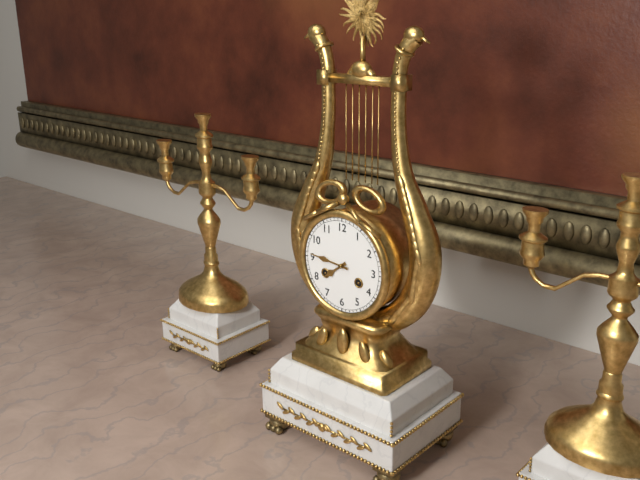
h=7 m=46
